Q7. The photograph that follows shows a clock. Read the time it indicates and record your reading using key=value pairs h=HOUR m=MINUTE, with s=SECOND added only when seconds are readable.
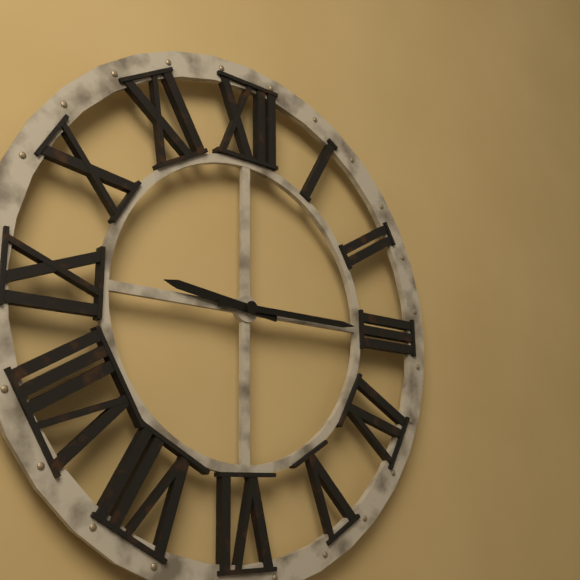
h=9 m=15
